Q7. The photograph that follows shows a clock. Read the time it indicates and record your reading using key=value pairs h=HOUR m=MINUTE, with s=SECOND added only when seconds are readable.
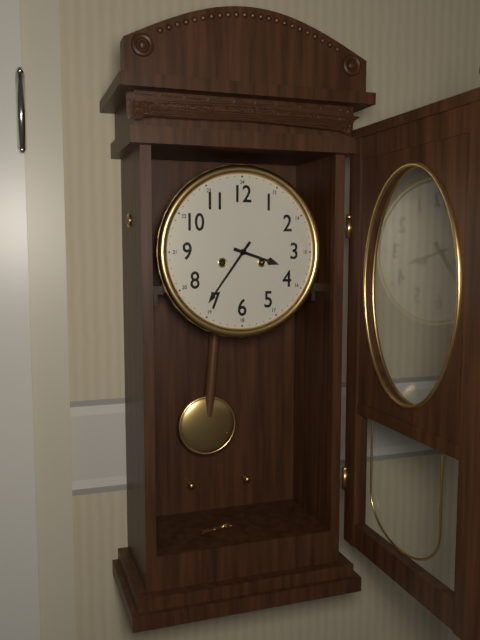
h=3 m=36
